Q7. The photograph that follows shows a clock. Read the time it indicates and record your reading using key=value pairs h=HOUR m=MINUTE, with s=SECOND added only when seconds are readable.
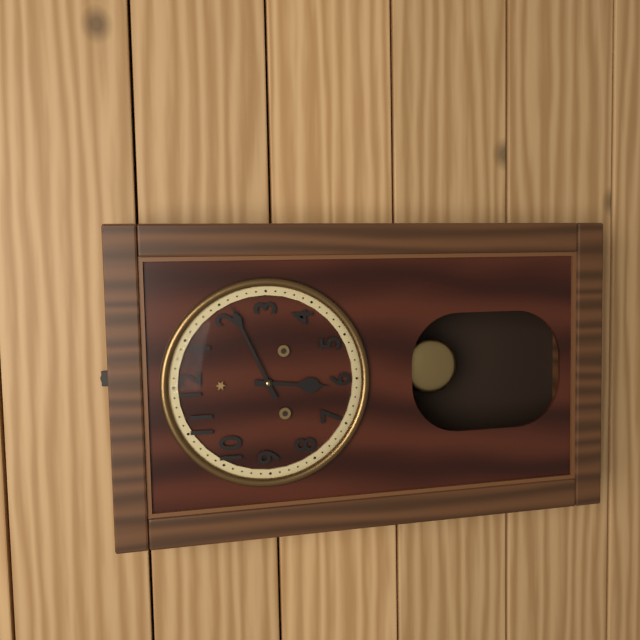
h=6 m=11
